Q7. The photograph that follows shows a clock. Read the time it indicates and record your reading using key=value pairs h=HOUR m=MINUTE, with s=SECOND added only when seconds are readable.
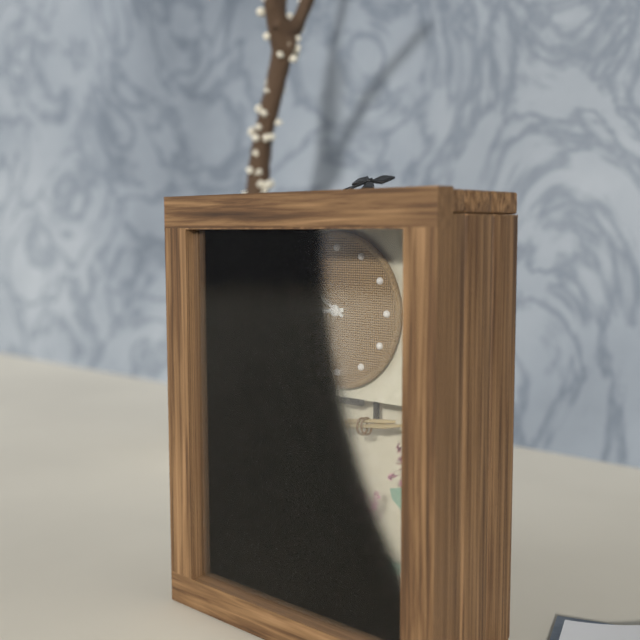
h=8 m=50
